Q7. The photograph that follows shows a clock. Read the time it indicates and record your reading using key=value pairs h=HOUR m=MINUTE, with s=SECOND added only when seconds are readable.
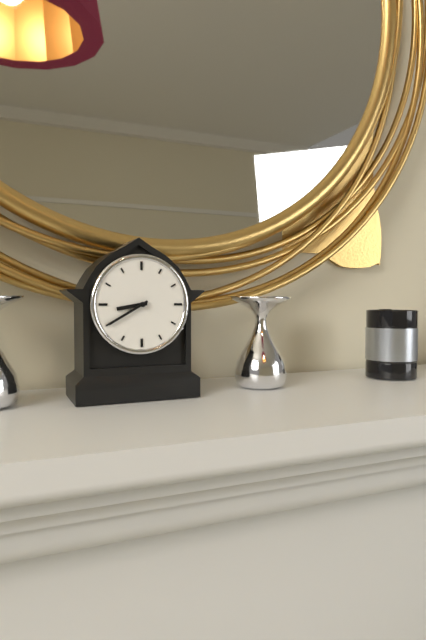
h=8 m=40
